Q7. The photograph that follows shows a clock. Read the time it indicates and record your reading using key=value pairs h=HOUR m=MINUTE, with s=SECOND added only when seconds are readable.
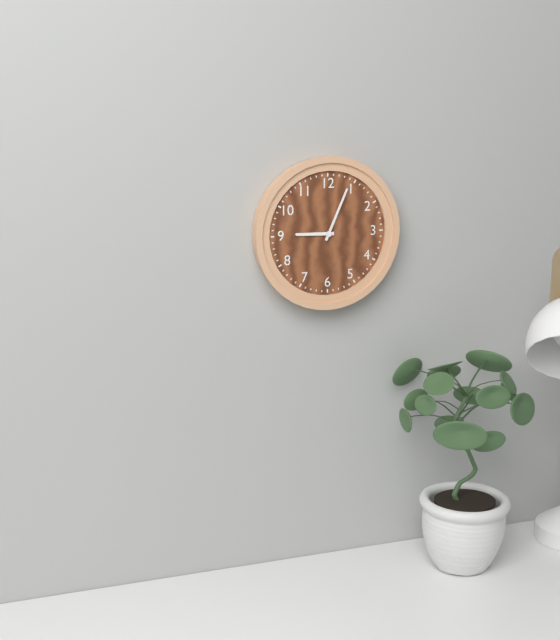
h=9 m=4
